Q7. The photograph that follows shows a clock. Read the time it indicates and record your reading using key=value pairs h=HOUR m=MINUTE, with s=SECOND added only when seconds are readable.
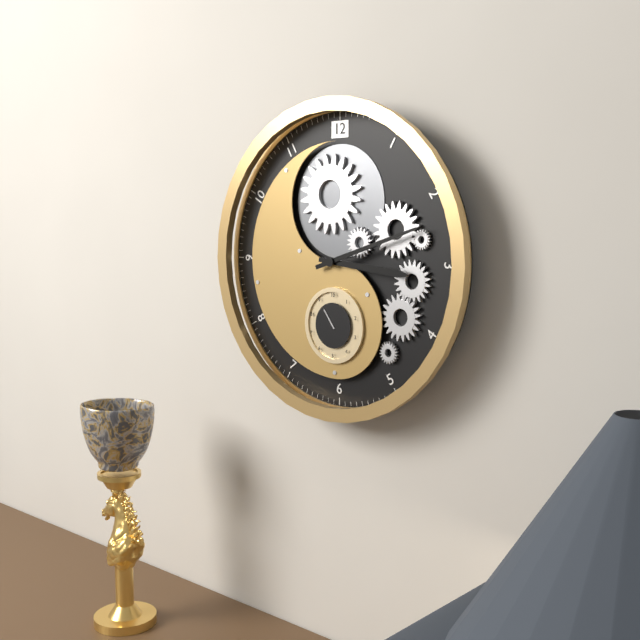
h=3 m=12
